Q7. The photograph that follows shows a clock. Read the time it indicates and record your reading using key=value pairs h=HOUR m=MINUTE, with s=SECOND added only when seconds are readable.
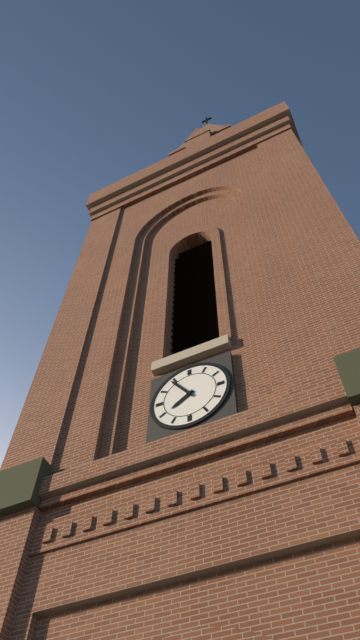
h=7 m=54
